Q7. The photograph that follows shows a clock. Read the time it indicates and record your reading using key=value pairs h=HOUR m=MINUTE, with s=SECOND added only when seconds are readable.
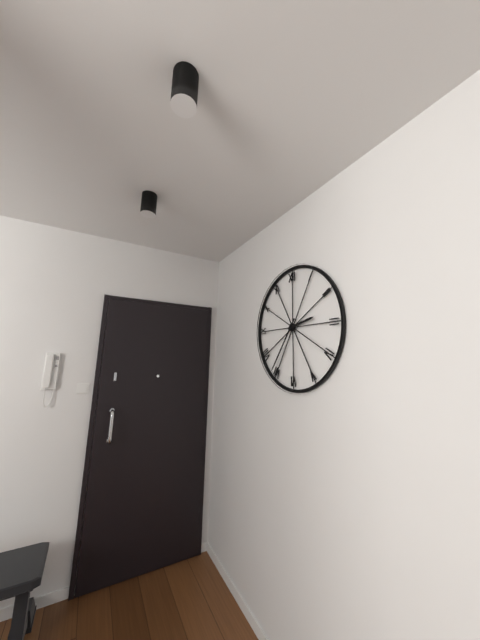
h=2 m=36
